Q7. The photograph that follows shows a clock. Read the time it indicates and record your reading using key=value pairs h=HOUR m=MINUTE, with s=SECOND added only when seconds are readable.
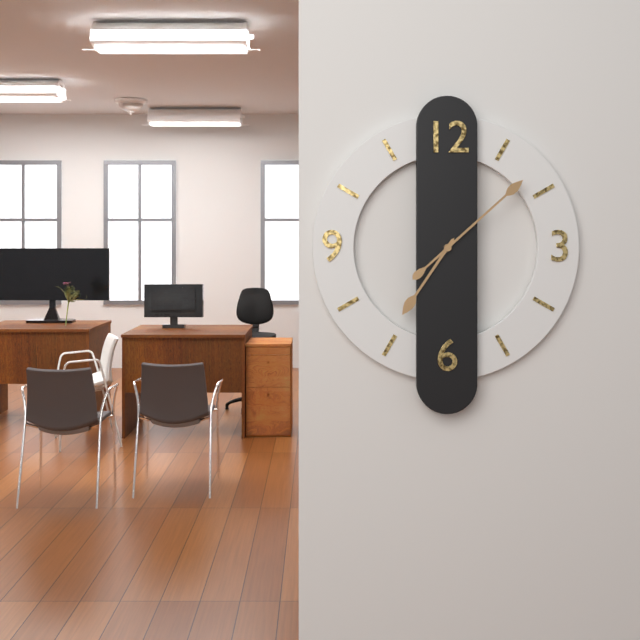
h=7 m=8
